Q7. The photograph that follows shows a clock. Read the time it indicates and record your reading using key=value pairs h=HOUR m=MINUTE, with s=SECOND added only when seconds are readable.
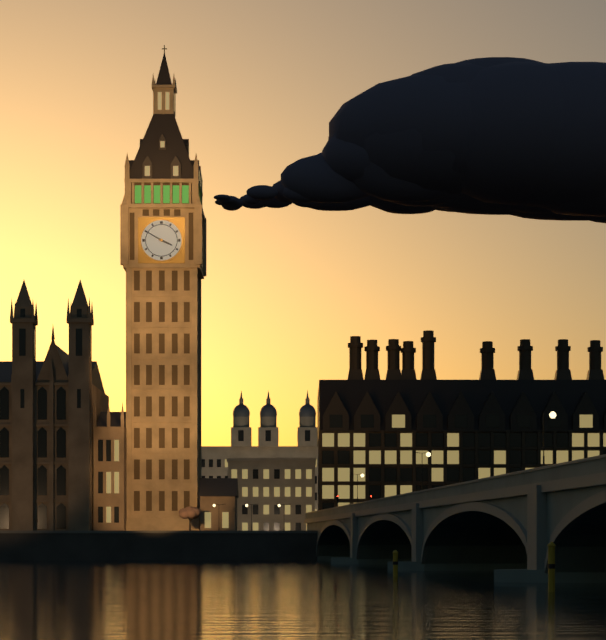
h=3 m=50
